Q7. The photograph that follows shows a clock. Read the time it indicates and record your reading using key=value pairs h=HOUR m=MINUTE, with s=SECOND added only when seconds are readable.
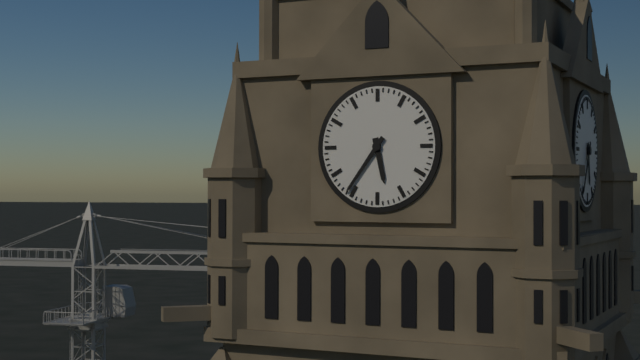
h=5 m=36
